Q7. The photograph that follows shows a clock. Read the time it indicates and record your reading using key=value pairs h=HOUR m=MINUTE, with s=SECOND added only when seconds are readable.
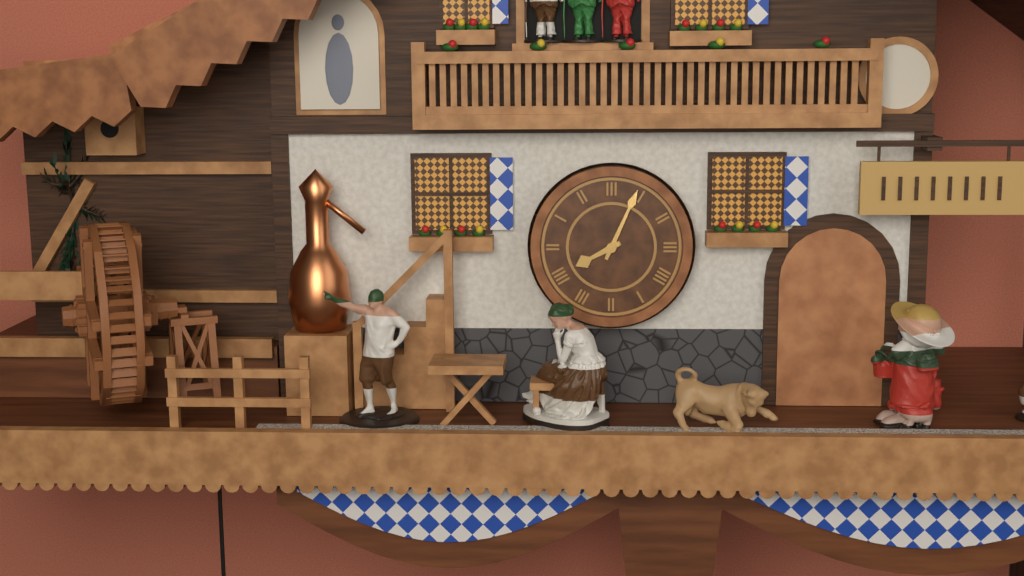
h=8 m=4
